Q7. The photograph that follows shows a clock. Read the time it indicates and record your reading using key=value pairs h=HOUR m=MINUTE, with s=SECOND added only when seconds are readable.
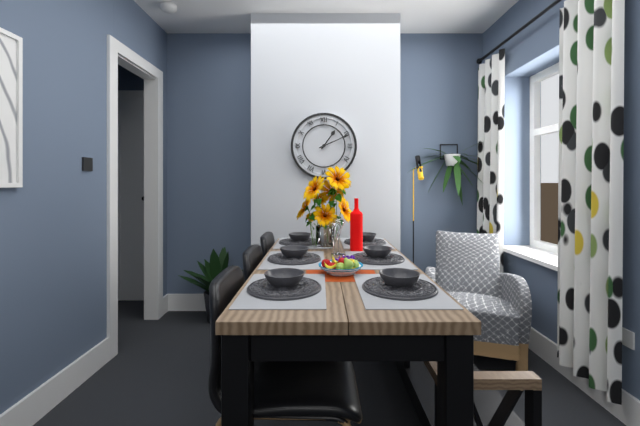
h=1 m=11
